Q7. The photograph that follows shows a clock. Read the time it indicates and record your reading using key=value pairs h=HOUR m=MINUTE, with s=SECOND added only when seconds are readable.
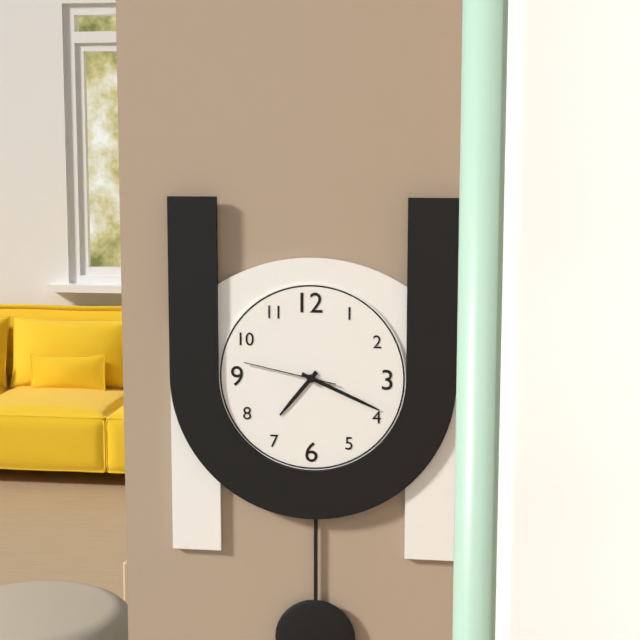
h=7 m=19 s=47
